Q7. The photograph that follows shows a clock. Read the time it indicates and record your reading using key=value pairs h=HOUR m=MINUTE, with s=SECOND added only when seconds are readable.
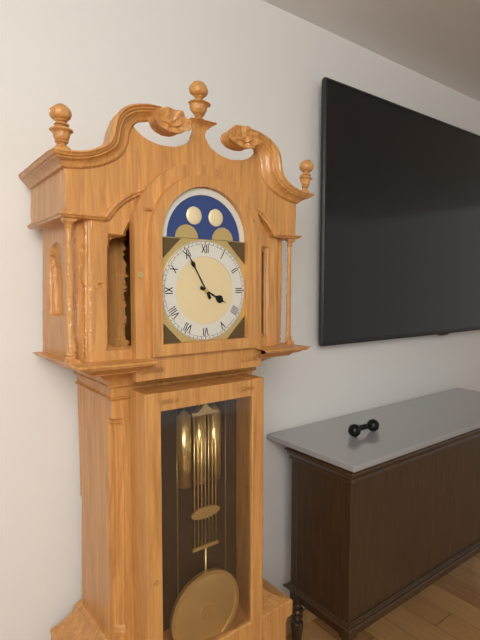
h=3 m=55
